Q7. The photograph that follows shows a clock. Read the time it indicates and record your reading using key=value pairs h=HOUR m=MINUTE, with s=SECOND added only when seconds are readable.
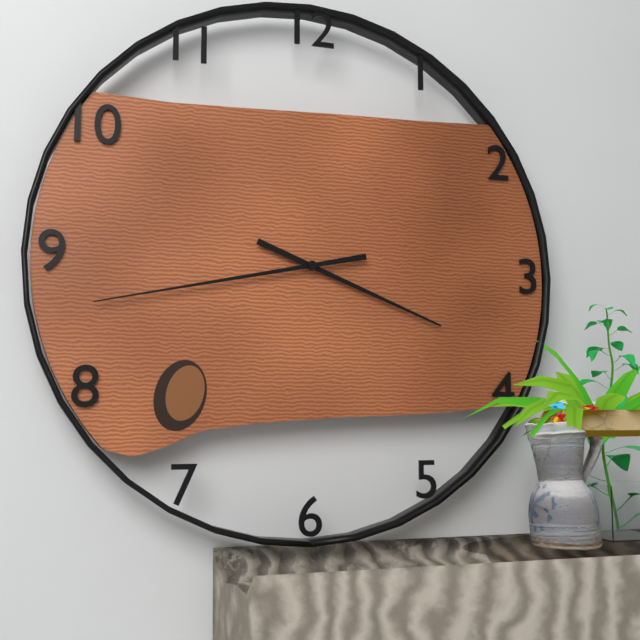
h=3 m=43
